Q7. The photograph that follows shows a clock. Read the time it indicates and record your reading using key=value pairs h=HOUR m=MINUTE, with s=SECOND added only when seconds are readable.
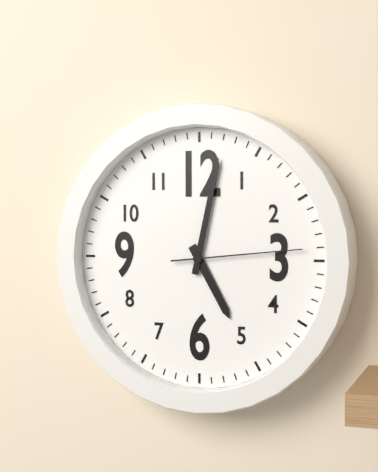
h=5 m=2 s=14
